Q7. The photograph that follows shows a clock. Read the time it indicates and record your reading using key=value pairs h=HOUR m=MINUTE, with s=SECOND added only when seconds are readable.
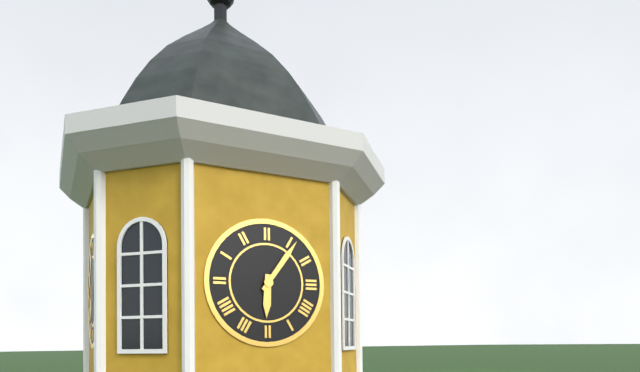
h=6 m=6
